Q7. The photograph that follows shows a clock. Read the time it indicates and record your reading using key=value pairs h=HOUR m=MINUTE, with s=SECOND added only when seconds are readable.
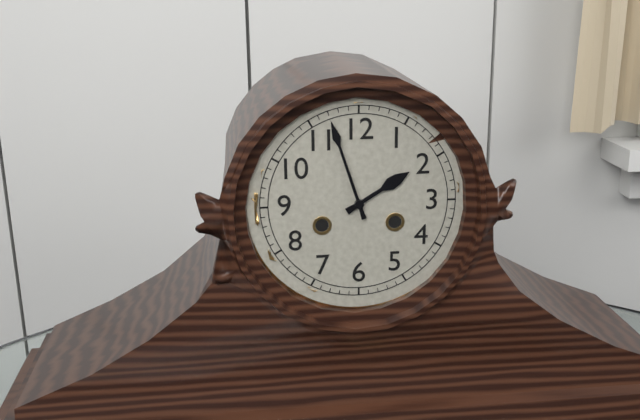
h=1 m=57
